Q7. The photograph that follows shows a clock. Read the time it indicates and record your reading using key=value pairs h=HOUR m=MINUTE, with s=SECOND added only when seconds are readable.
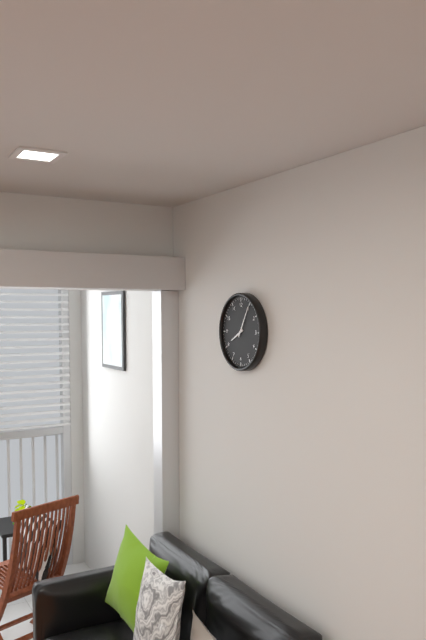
h=8 m=5
